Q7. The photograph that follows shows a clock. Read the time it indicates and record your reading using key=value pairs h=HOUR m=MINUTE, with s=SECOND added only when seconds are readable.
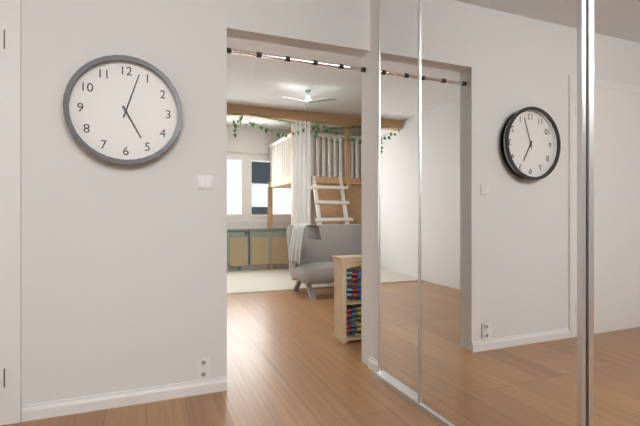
h=5 m=3
